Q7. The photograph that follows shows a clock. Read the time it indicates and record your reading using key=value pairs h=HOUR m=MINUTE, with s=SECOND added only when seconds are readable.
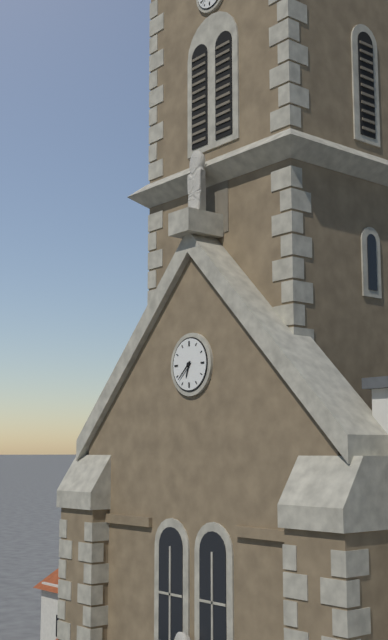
h=6 m=38
